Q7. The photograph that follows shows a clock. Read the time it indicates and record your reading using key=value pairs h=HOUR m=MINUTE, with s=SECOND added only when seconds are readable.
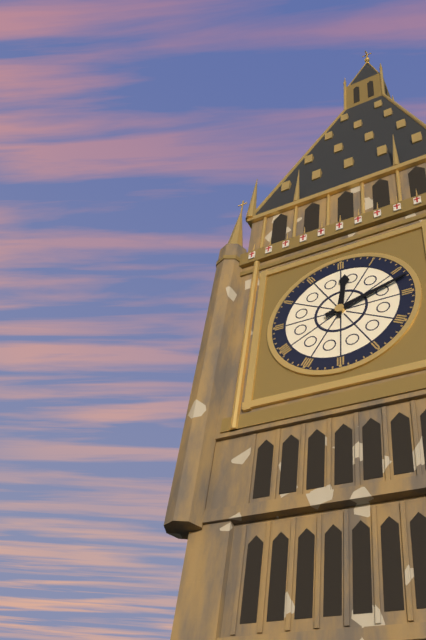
h=12 m=12
